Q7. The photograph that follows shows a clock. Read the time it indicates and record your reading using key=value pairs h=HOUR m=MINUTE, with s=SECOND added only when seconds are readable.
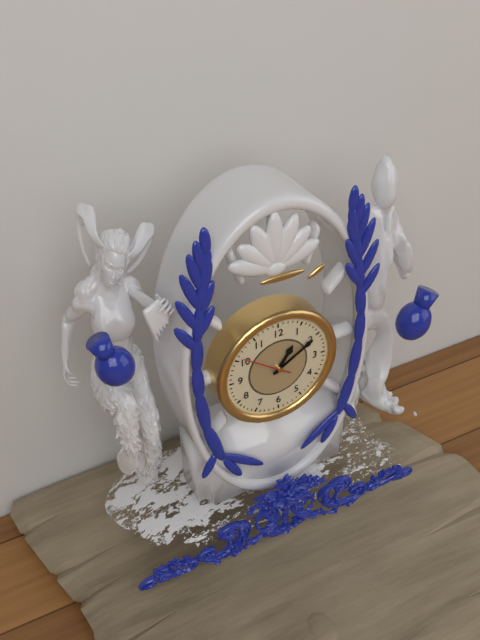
h=1 m=10
